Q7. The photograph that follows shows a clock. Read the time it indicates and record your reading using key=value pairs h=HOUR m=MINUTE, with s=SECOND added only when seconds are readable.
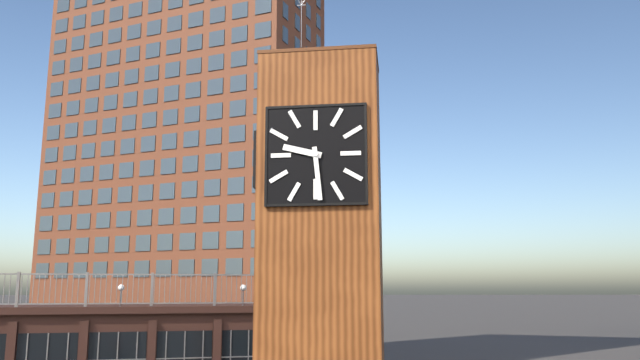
h=9 m=29
